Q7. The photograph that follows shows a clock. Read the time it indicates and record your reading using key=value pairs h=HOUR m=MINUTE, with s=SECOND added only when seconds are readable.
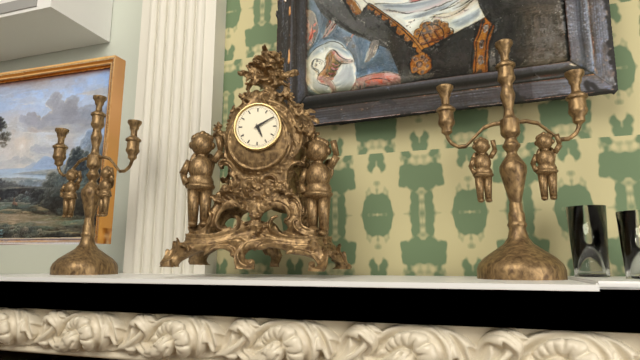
h=5 m=10
